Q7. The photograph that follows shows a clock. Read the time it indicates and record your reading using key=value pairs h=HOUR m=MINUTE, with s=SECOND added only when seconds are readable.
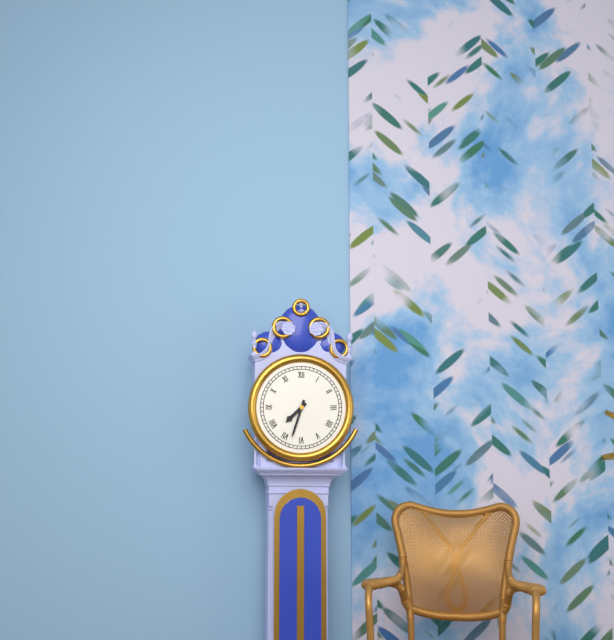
h=7 m=33
